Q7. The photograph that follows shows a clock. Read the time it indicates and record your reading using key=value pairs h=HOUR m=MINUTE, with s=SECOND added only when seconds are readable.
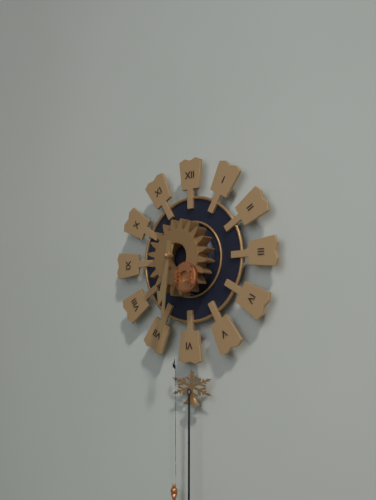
h=6 m=31
